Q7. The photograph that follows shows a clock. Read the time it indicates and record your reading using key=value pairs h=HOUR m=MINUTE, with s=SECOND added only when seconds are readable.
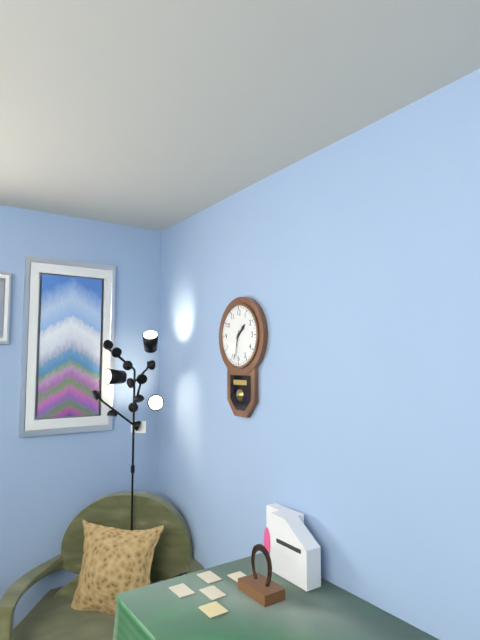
h=1 m=33
